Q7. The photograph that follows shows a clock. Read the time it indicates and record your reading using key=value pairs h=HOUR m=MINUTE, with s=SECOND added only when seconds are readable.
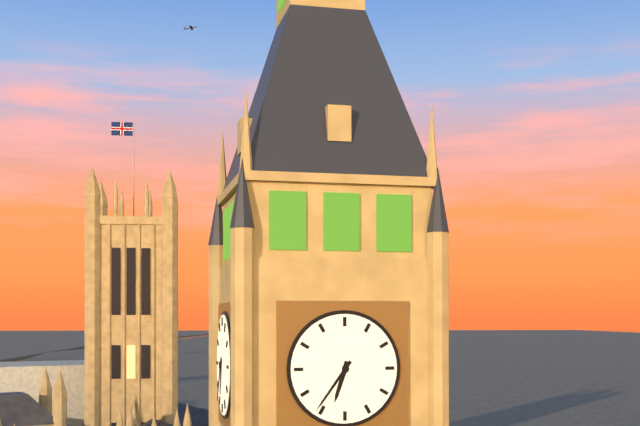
h=6 m=36
